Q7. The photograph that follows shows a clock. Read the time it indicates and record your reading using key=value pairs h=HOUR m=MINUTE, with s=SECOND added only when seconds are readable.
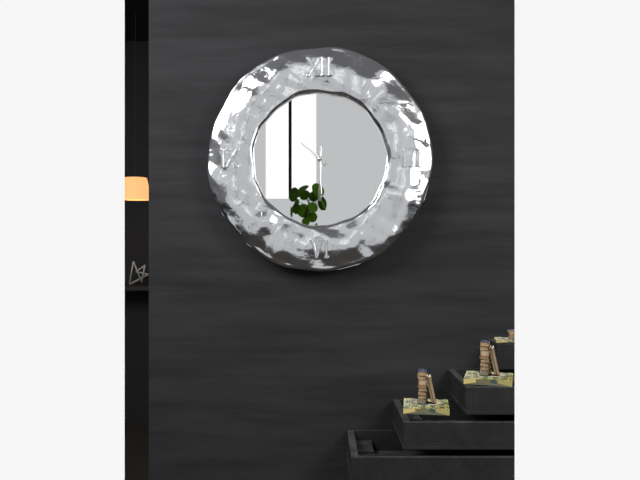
h=10 m=30
